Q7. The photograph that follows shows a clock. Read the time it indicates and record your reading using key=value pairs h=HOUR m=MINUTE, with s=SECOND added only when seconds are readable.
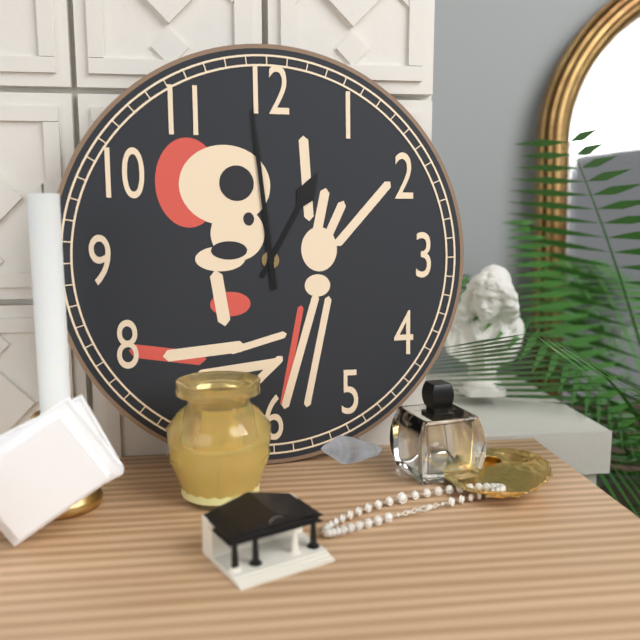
h=12 m=59
